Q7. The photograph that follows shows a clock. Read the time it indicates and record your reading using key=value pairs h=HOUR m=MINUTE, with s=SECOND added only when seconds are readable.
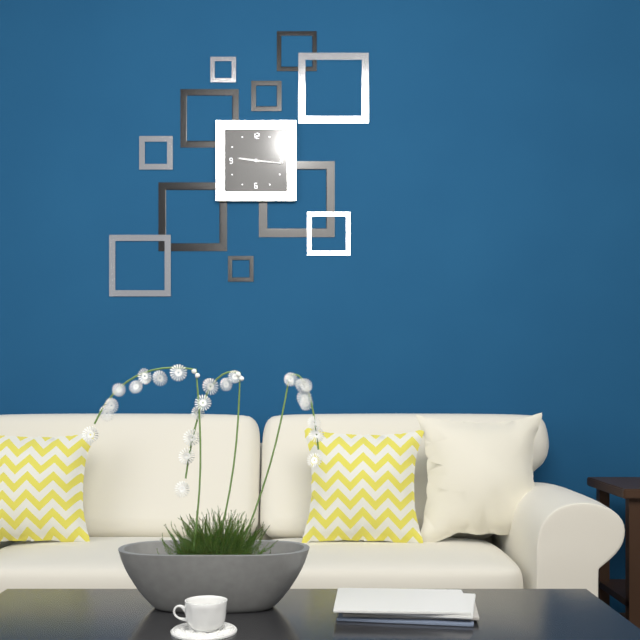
h=9 m=16
